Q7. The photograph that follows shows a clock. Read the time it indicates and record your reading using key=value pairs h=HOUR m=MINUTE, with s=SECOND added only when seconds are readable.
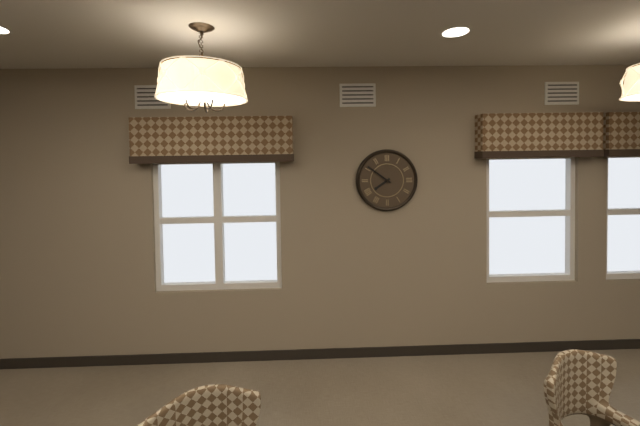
h=7 m=51
